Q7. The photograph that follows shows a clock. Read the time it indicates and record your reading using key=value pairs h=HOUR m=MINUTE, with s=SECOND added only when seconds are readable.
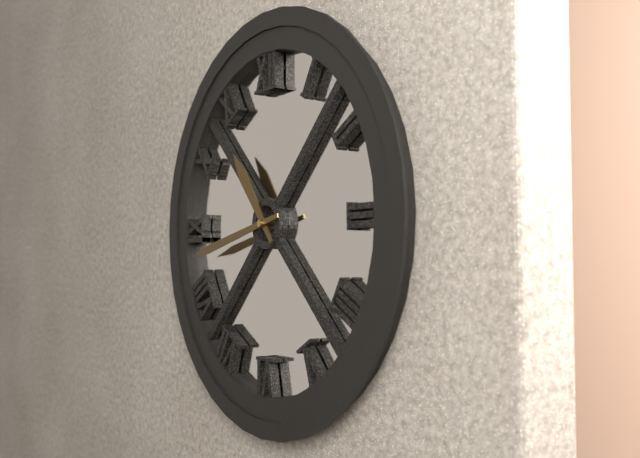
h=10 m=43
